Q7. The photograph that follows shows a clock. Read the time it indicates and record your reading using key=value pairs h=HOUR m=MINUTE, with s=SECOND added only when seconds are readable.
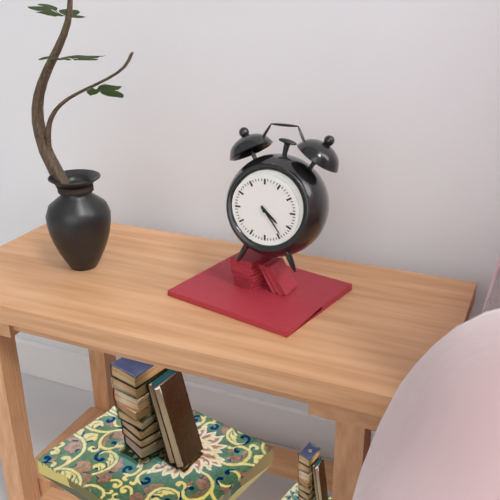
h=4 m=24
